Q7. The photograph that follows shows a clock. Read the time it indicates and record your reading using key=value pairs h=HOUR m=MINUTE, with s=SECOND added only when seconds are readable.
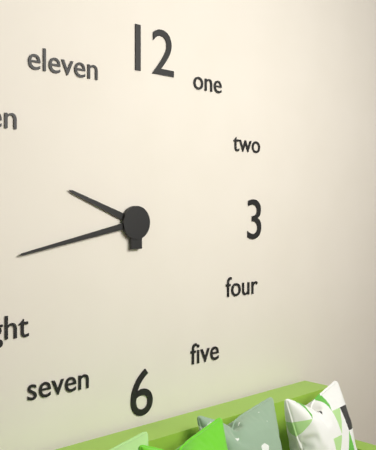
h=9 m=43
